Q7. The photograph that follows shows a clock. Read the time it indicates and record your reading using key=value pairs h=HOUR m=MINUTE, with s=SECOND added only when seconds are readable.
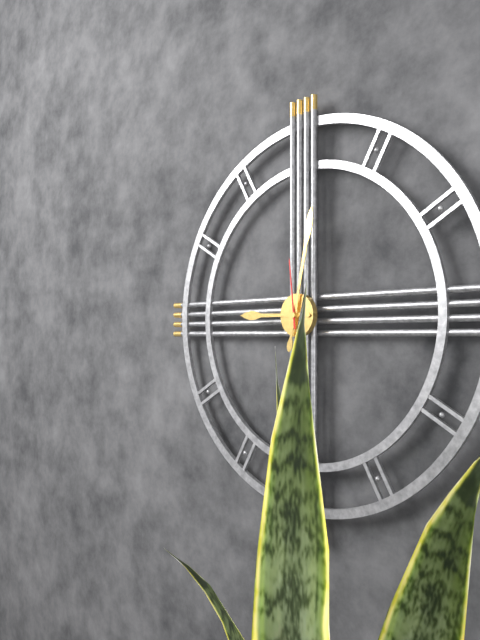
h=9 m=2 s=59
